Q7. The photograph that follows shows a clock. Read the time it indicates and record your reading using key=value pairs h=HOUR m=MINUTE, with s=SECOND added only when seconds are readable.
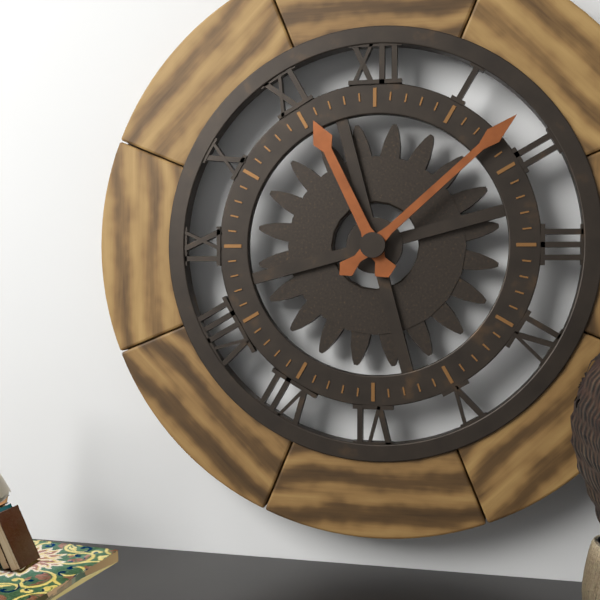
h=11 m=8
